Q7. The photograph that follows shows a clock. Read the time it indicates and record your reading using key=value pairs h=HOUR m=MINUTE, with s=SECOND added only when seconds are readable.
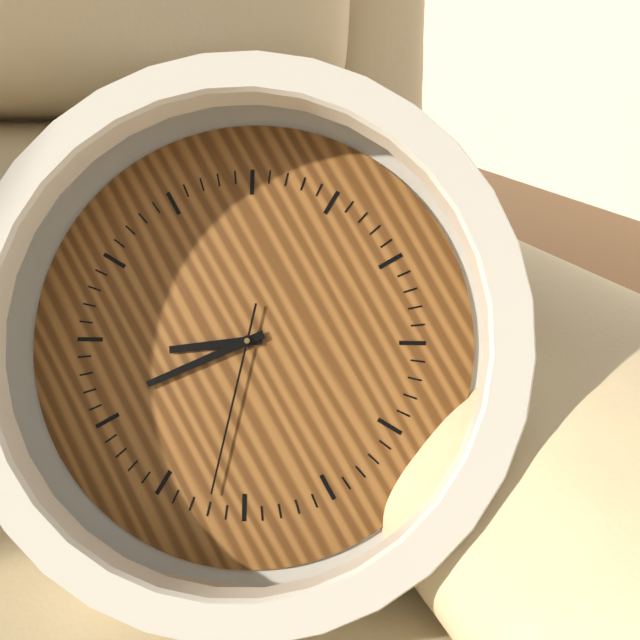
h=9 m=46 s=37
